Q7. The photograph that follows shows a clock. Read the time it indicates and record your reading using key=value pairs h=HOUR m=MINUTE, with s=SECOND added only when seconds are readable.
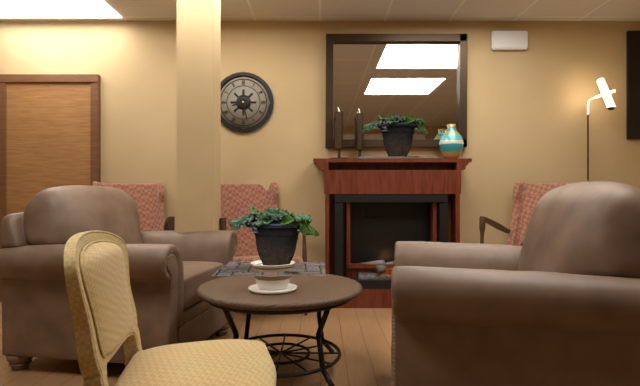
h=8 m=28
